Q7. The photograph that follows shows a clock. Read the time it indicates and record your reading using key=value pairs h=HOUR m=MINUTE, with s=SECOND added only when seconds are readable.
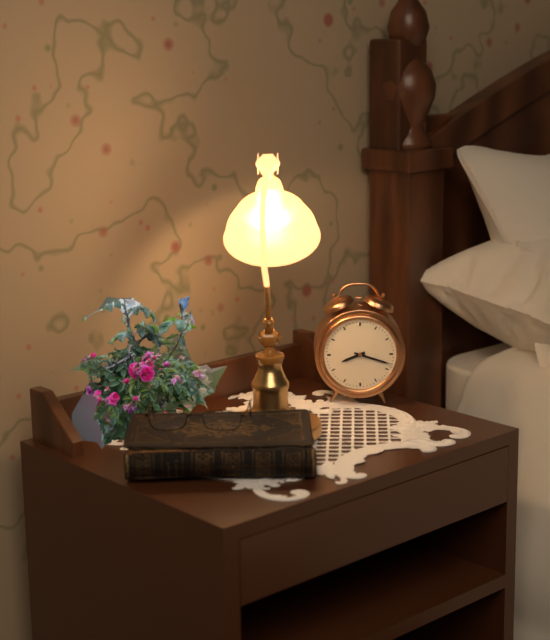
h=8 m=18
